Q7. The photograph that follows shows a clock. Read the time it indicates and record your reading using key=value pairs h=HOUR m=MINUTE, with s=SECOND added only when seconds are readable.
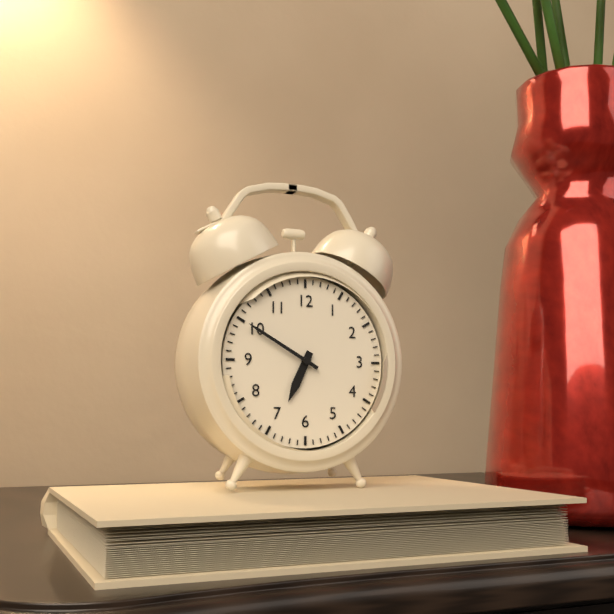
h=6 m=50
